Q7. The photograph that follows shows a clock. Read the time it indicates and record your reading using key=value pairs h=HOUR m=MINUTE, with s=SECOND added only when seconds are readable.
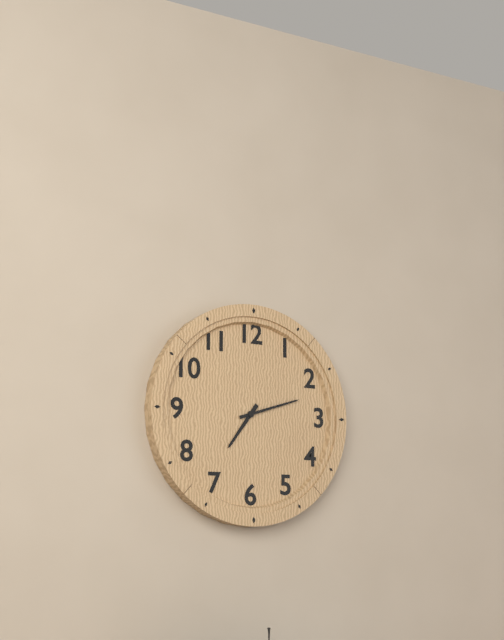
h=7 m=12
